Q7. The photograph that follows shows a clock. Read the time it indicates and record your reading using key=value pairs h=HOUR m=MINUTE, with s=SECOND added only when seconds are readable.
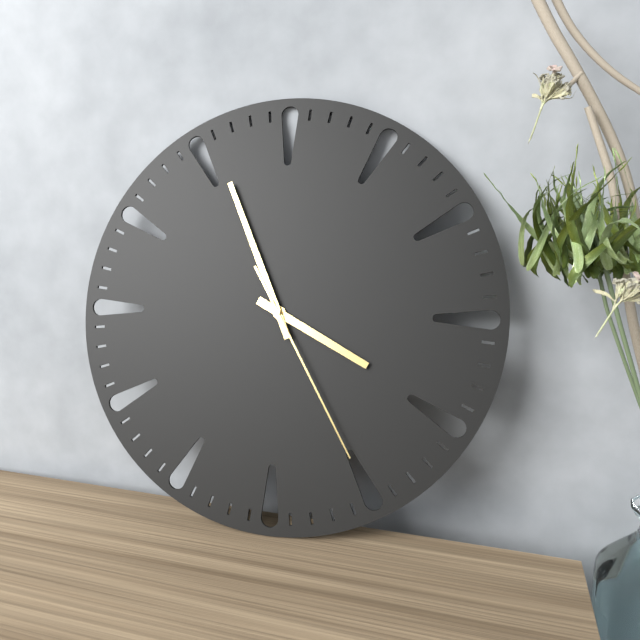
h=3 m=56 s=25
